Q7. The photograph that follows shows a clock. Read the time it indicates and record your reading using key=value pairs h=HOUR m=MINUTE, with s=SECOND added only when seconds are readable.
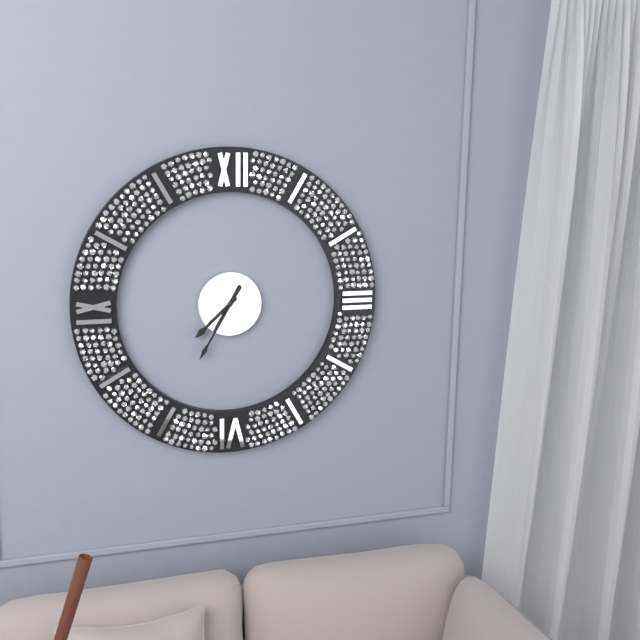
h=7 m=35
